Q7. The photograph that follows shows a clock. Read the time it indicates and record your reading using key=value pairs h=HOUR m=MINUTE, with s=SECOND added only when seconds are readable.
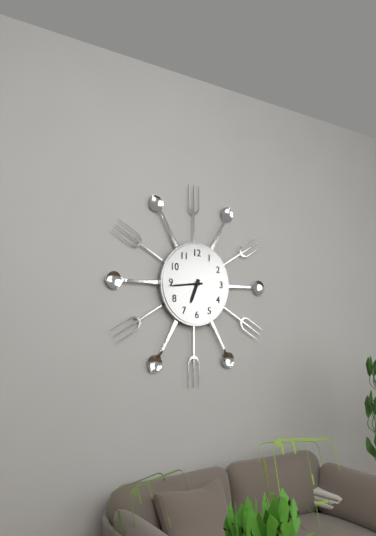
h=6 m=44
